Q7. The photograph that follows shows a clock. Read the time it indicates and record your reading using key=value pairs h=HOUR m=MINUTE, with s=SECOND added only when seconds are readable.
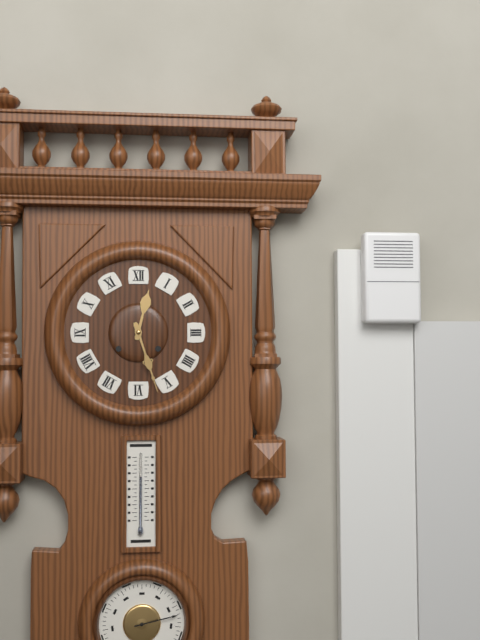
h=12 m=27
